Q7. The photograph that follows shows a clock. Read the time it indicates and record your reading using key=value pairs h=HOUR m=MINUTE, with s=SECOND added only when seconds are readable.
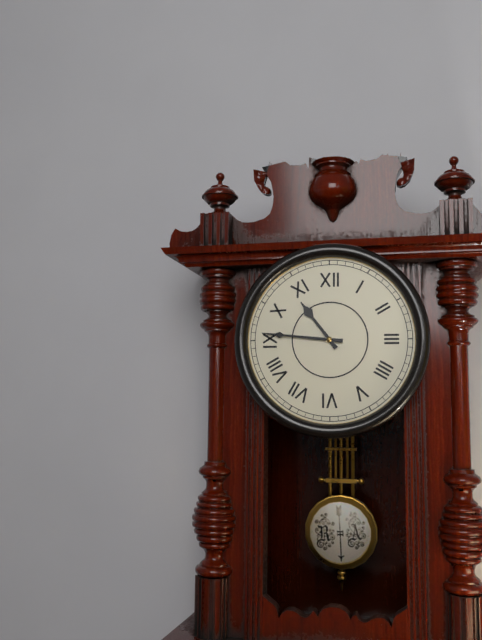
h=10 m=46
